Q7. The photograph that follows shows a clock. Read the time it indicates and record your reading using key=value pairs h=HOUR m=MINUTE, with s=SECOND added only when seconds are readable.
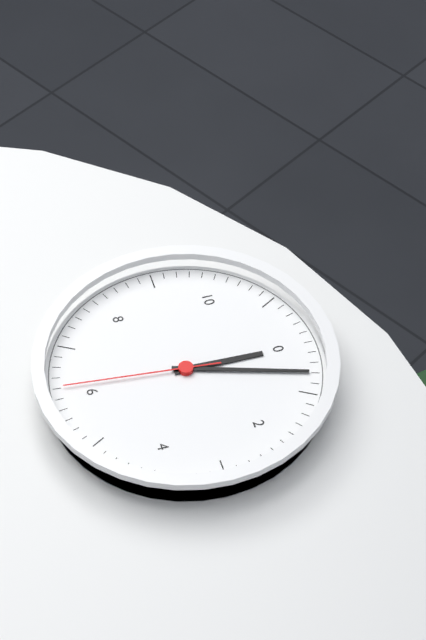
h=12 m=3 s=31
